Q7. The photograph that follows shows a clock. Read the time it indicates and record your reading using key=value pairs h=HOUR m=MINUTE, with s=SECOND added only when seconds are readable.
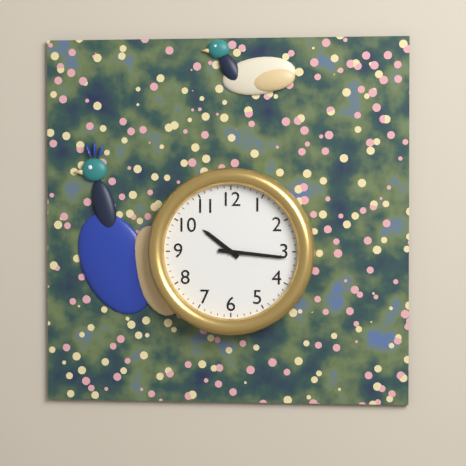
h=10 m=16
